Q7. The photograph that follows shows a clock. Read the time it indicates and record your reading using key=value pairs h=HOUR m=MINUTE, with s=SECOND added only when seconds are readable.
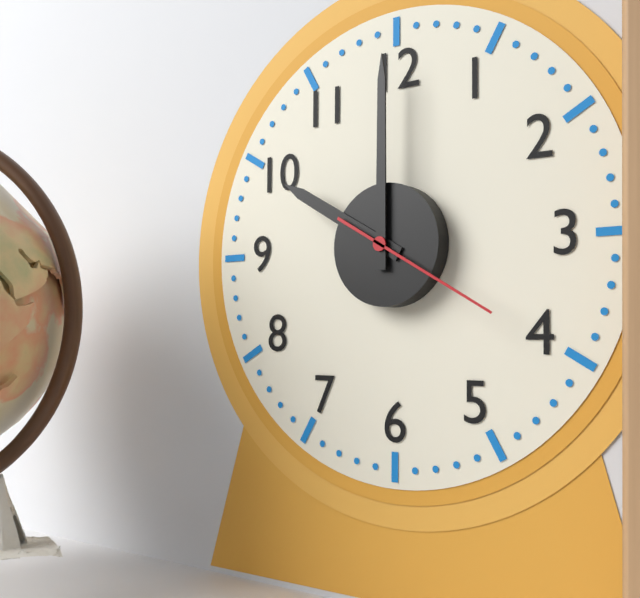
h=10 m=0 s=20
